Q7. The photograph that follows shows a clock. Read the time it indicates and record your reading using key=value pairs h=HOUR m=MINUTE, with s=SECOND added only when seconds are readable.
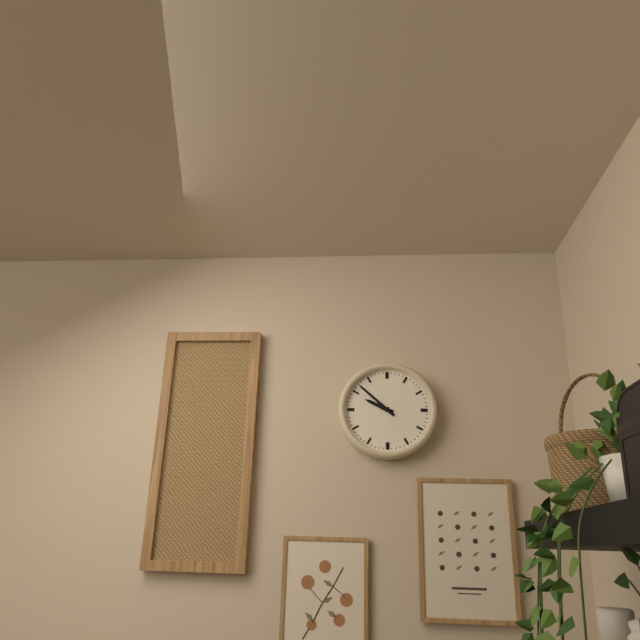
h=9 m=52
